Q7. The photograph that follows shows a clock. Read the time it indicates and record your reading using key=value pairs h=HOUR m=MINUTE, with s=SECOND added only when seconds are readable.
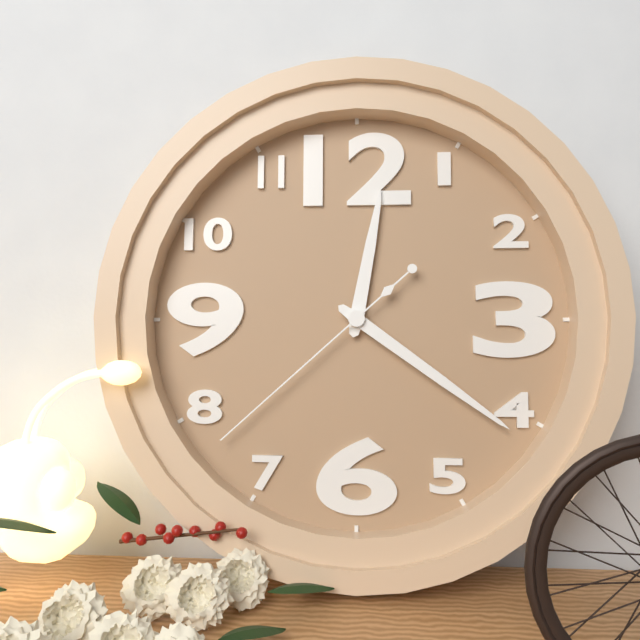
h=12 m=21 s=38
